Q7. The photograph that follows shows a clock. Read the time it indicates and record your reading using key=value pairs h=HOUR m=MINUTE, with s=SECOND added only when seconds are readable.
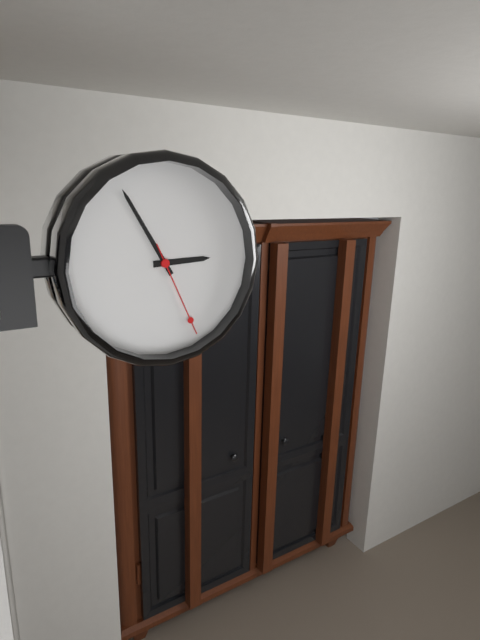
h=2 m=55 s=26
